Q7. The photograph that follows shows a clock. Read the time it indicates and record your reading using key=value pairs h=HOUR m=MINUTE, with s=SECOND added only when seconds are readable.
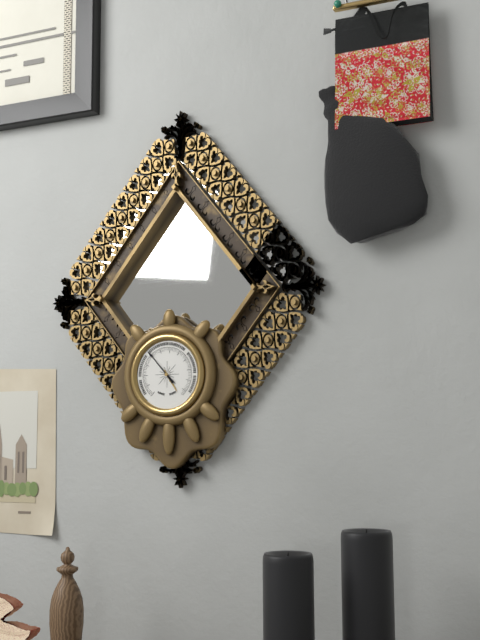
h=4 m=53
